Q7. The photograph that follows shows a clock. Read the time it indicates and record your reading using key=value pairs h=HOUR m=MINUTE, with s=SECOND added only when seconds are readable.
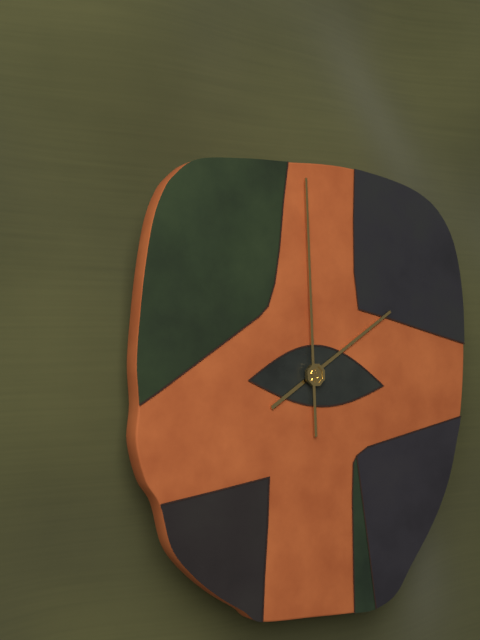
h=2 m=0
